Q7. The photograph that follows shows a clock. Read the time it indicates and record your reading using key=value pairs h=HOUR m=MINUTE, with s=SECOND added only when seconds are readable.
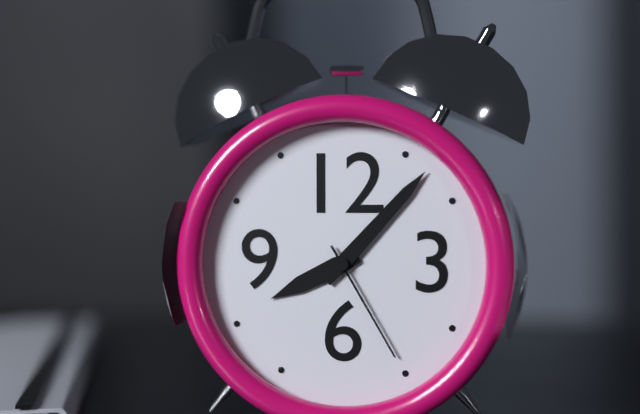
h=8 m=7 s=25
